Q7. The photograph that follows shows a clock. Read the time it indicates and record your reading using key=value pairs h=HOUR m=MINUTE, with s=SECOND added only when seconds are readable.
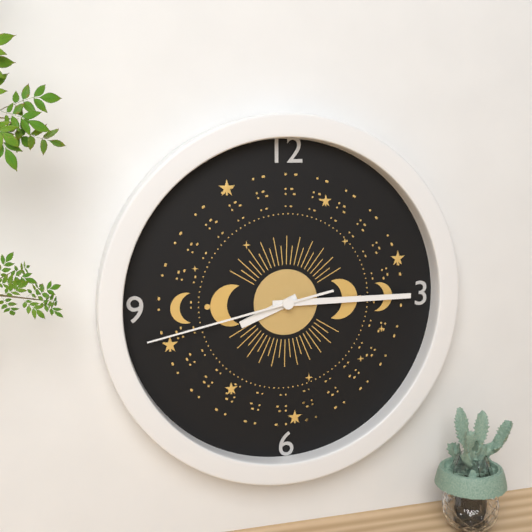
h=8 m=15 s=43
